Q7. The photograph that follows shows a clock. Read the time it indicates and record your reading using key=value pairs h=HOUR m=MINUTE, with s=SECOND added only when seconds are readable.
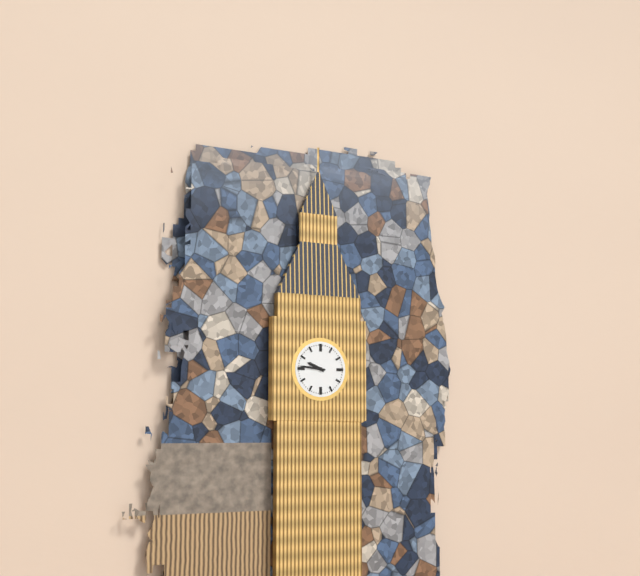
h=9 m=46
